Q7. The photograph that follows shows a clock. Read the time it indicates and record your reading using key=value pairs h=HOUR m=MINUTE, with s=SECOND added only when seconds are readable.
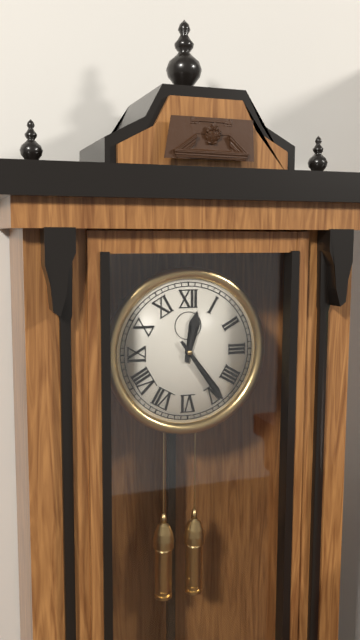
h=12 m=24
